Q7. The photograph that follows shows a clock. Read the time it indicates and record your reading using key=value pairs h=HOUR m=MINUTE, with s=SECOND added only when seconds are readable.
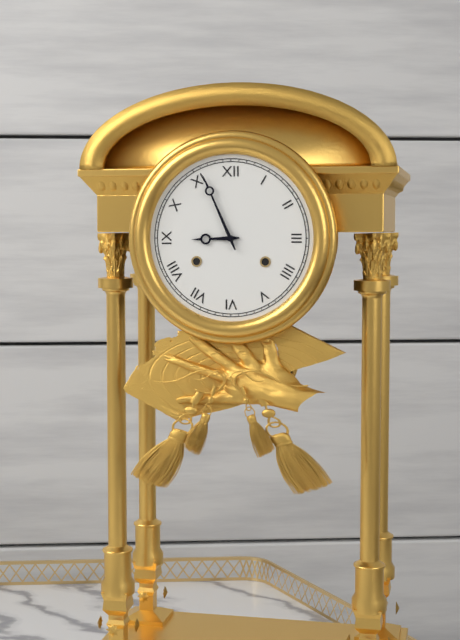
h=8 m=56
